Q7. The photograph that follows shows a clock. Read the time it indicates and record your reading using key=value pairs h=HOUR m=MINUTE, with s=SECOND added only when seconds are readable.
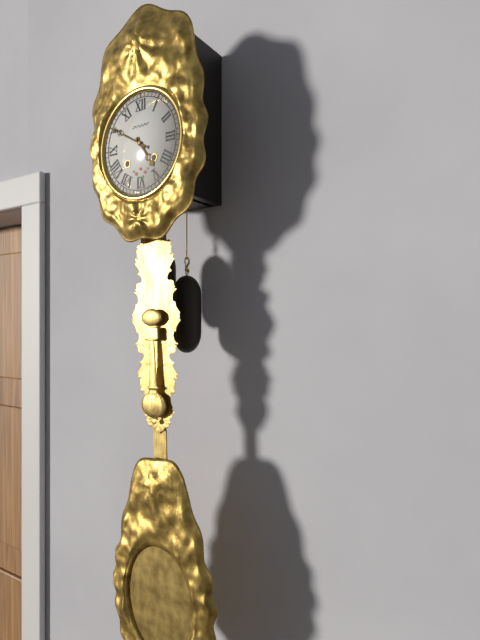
h=4 m=50
